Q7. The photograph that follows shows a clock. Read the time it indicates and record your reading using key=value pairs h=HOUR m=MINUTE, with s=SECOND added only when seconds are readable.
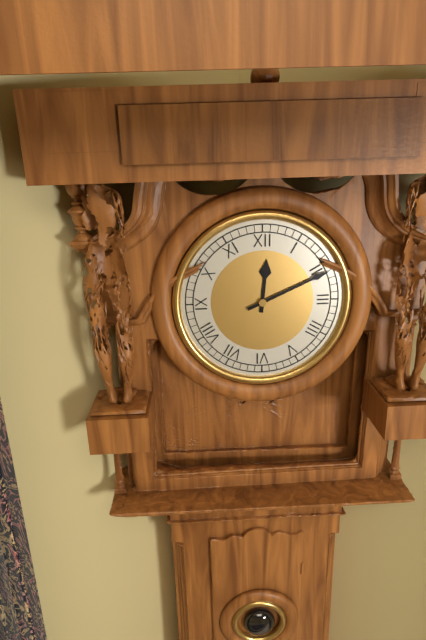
h=12 m=11
